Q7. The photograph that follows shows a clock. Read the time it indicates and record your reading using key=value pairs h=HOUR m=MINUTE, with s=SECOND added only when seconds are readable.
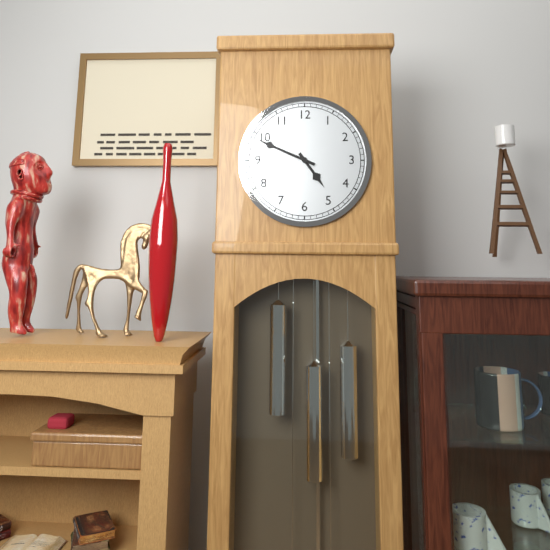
h=4 m=49
